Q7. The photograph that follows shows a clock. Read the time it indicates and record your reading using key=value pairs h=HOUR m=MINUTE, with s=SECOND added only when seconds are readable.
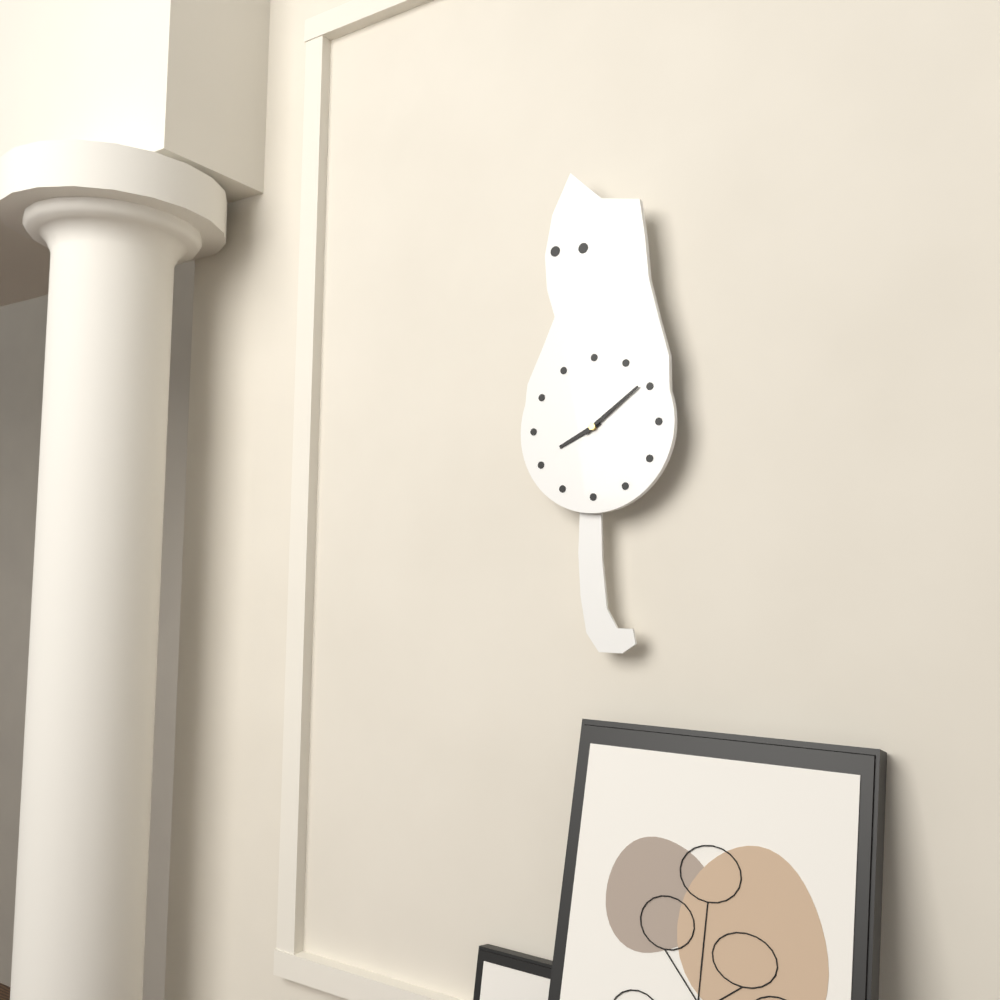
h=8 m=9
